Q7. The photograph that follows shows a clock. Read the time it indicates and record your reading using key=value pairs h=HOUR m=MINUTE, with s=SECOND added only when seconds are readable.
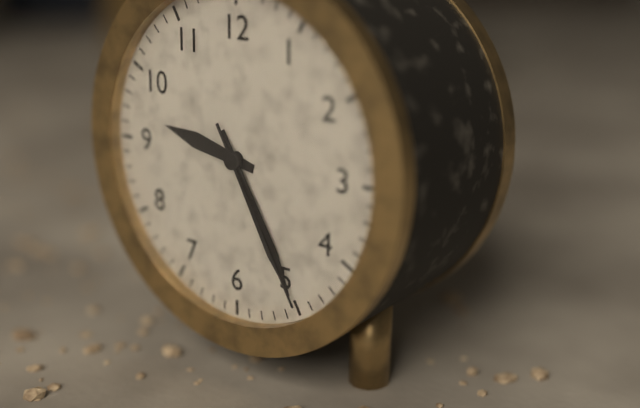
h=9 m=25 s=25
